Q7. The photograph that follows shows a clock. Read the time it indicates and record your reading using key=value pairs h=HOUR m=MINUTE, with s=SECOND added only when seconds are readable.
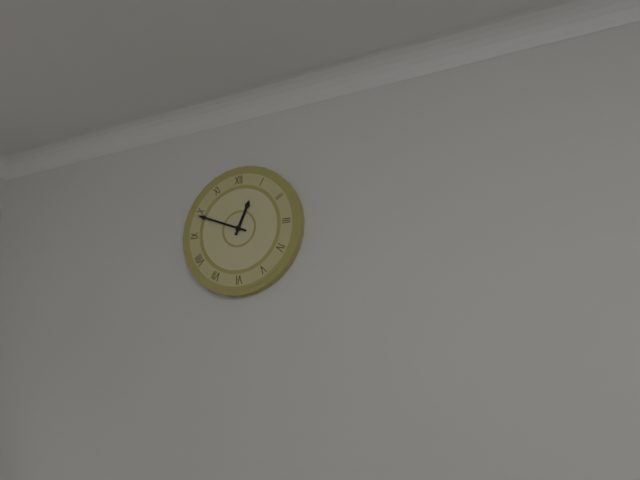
h=12 m=49
